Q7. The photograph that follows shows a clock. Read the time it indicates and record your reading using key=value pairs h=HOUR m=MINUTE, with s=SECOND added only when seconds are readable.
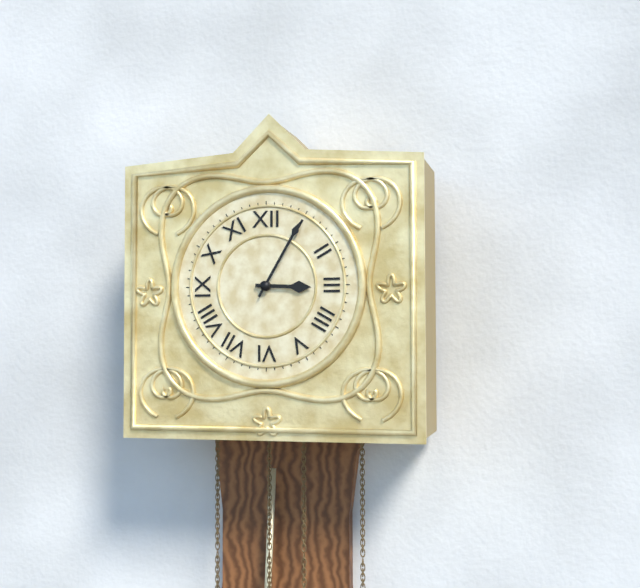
h=3 m=5
